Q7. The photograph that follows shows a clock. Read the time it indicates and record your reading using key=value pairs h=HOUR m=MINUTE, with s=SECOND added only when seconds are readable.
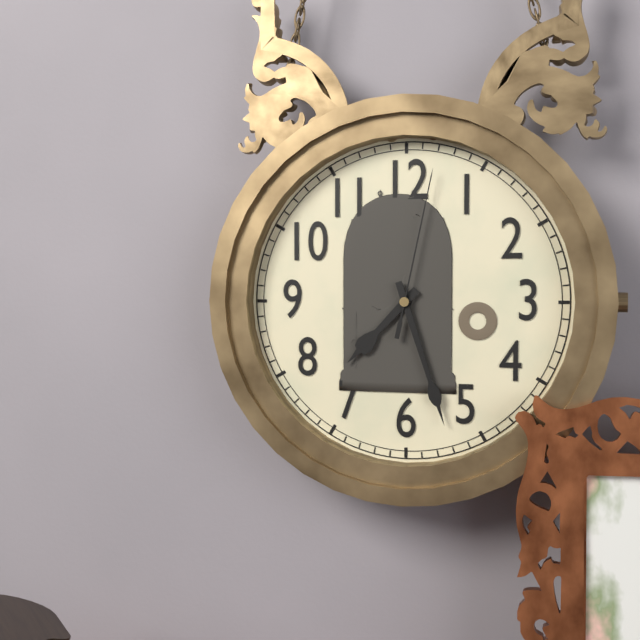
h=7 m=27 s=2
